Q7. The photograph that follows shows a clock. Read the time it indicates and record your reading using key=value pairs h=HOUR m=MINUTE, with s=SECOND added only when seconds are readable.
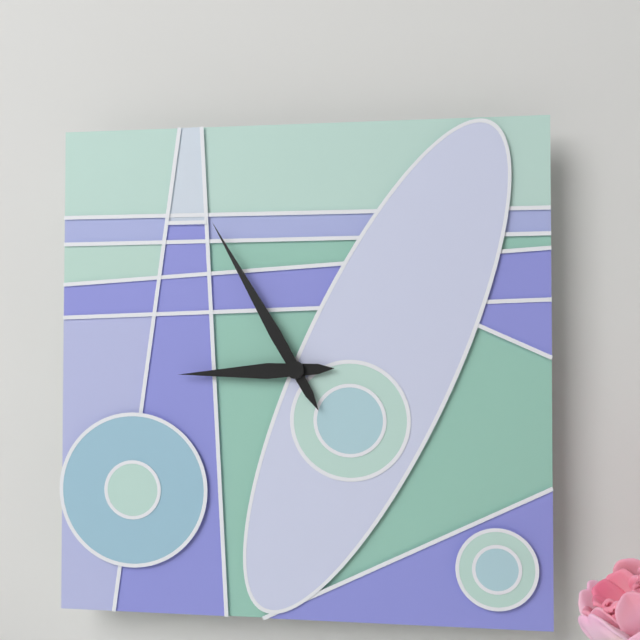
h=8 m=55
